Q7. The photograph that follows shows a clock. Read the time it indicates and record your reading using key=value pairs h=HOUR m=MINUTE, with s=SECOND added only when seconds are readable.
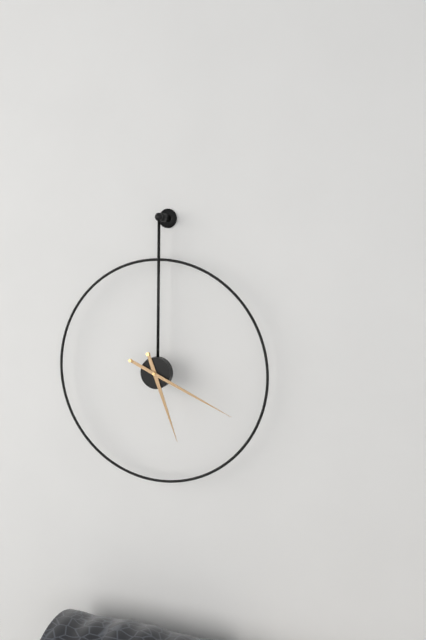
h=5 m=19
